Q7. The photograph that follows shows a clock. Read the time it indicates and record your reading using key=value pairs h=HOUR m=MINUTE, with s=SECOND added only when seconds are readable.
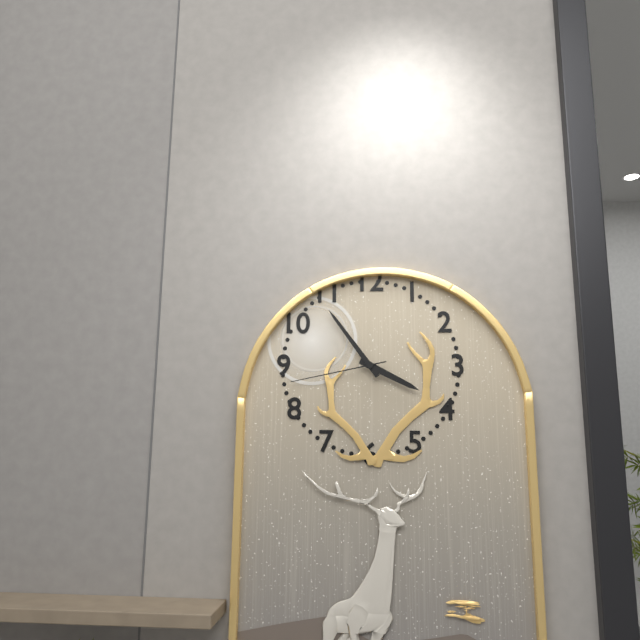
h=3 m=54 s=43
